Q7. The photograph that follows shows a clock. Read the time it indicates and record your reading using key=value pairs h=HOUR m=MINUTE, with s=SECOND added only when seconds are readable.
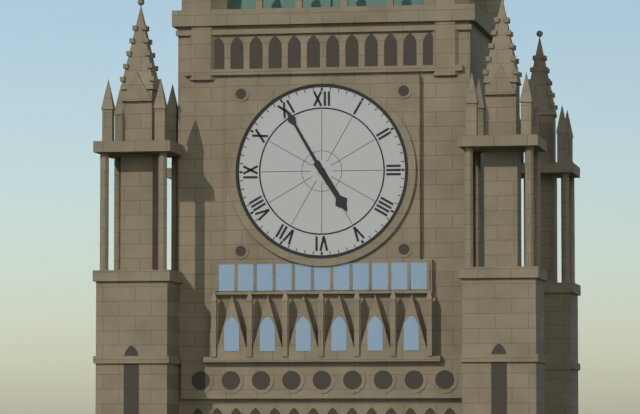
h=4 m=55
